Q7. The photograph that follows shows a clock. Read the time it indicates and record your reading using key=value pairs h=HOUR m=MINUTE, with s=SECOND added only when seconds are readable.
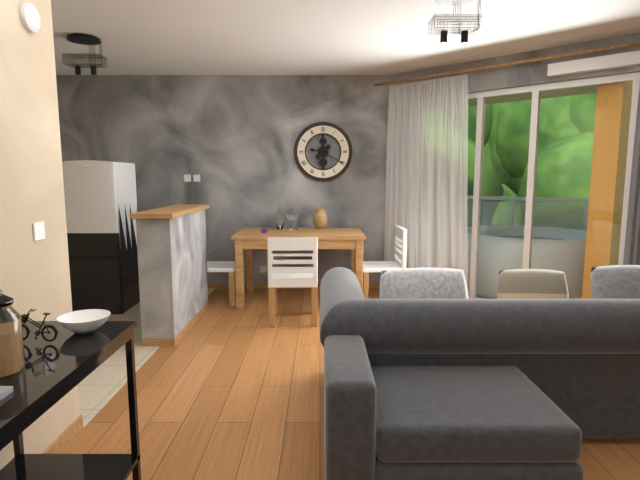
h=9 m=20
